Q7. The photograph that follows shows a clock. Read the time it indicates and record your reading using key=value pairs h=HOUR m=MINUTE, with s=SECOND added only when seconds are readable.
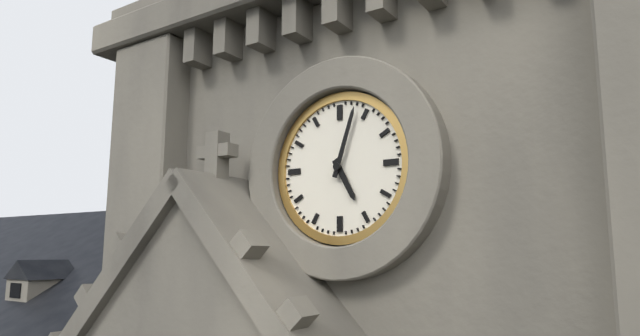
h=5 m=3
